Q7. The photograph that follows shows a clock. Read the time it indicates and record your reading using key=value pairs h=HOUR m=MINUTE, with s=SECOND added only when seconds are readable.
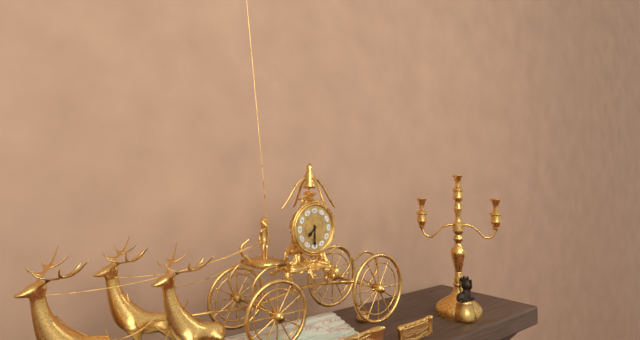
h=7 m=30
